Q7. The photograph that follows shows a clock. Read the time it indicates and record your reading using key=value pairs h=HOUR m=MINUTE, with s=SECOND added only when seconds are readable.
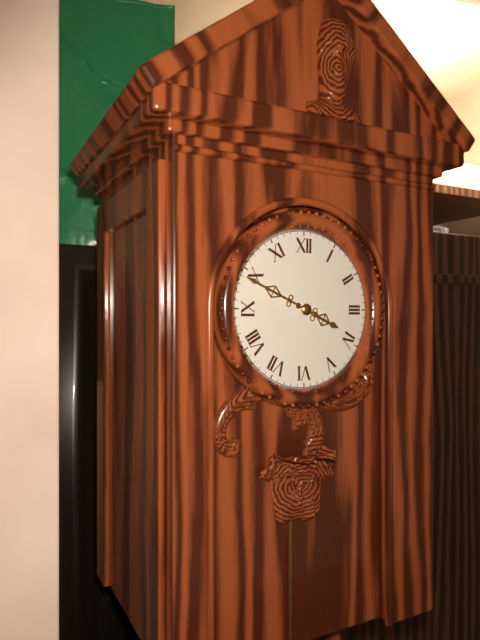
h=3 m=49
